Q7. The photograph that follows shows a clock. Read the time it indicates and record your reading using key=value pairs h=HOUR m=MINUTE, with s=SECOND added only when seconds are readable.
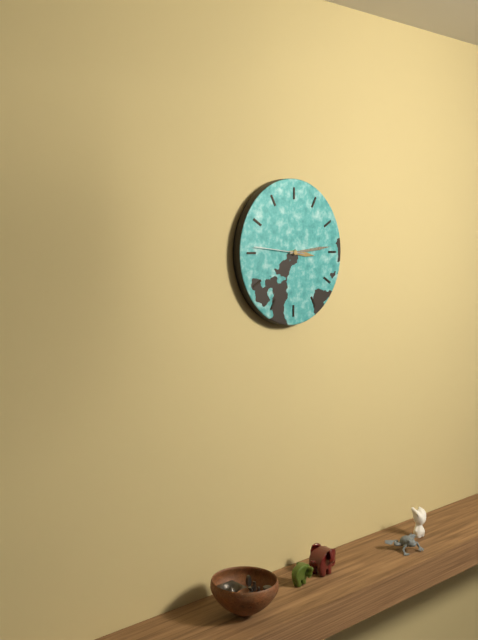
h=3 m=14
